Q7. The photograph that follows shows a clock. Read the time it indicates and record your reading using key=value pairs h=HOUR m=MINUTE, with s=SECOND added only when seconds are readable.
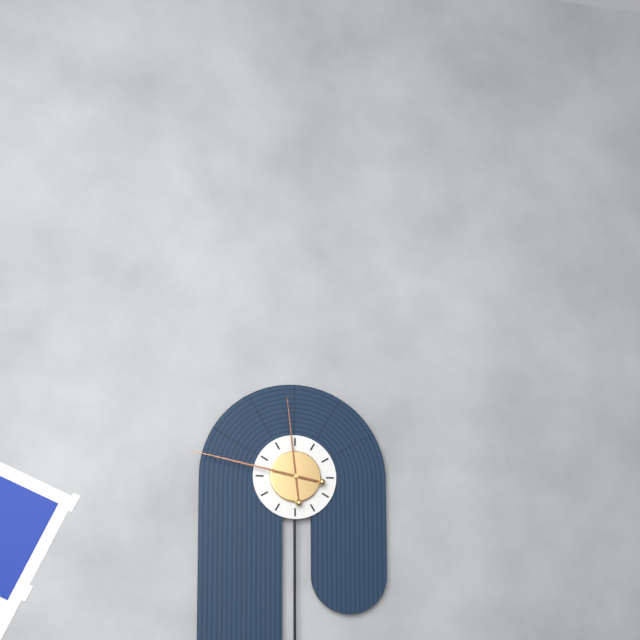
h=11 m=47
